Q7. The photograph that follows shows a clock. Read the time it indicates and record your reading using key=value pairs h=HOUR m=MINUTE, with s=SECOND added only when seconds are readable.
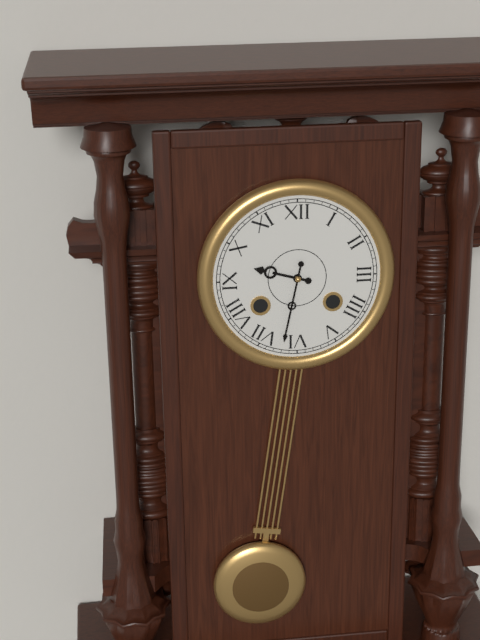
h=9 m=32
